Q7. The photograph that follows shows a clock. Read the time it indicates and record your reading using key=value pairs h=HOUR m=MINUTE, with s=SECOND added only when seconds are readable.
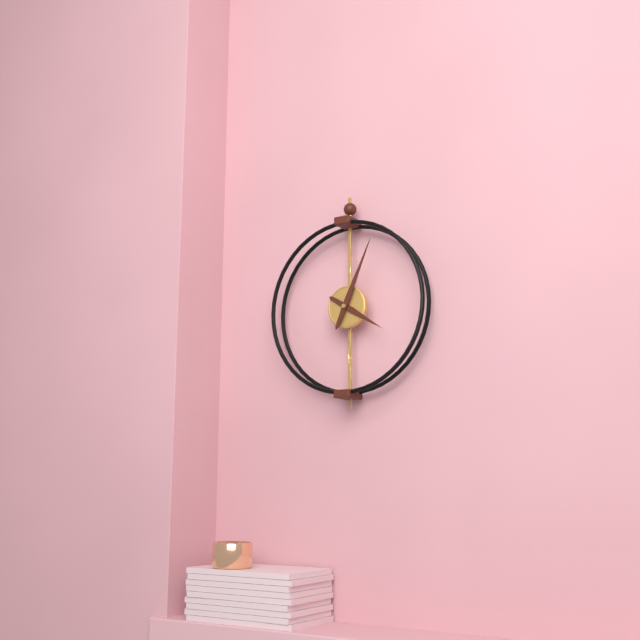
h=4 m=4
